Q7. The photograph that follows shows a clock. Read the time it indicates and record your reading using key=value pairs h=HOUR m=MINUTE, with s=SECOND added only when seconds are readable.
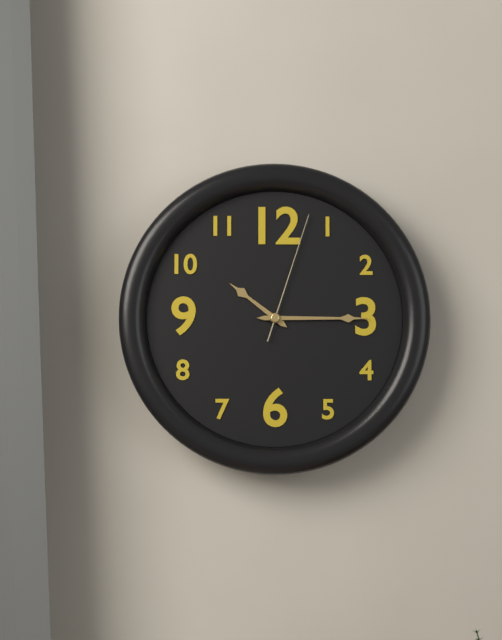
h=10 m=15 s=3
